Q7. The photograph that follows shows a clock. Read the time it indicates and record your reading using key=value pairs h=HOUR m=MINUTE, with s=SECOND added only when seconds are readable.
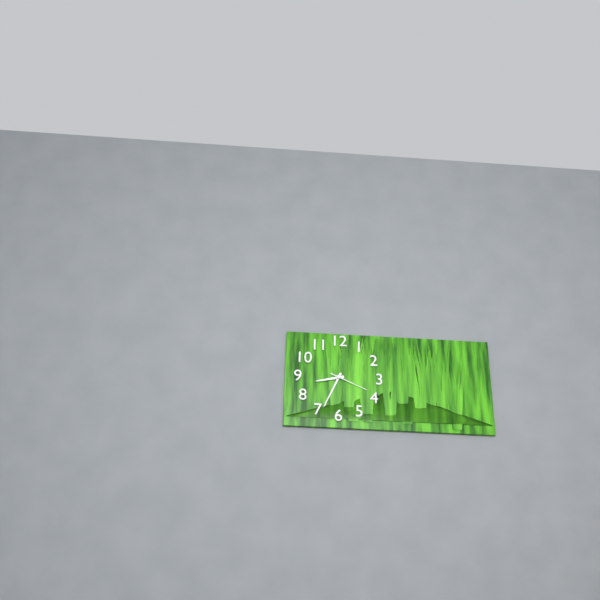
h=8 m=34
